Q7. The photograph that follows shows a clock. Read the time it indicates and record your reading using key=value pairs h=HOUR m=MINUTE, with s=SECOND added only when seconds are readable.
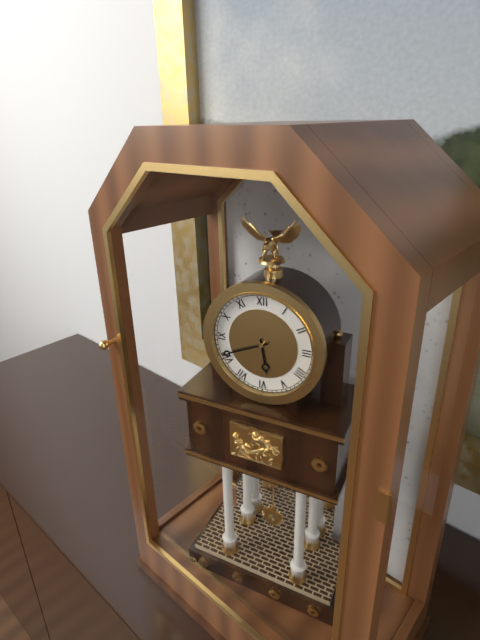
h=5 m=41
